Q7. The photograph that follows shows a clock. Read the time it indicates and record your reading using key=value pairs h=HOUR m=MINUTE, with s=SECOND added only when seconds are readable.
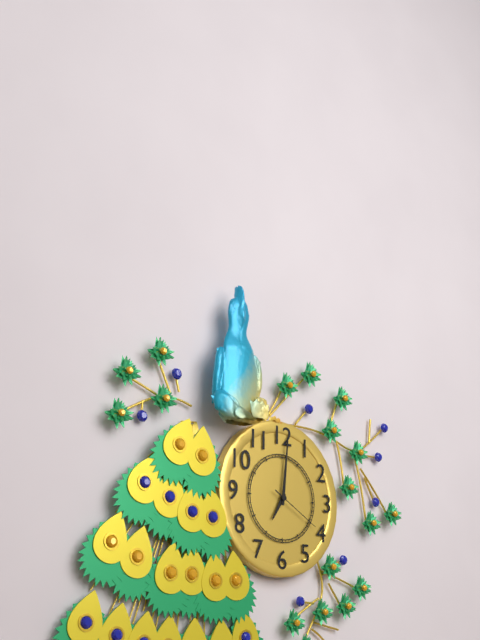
h=7 m=1 s=20
